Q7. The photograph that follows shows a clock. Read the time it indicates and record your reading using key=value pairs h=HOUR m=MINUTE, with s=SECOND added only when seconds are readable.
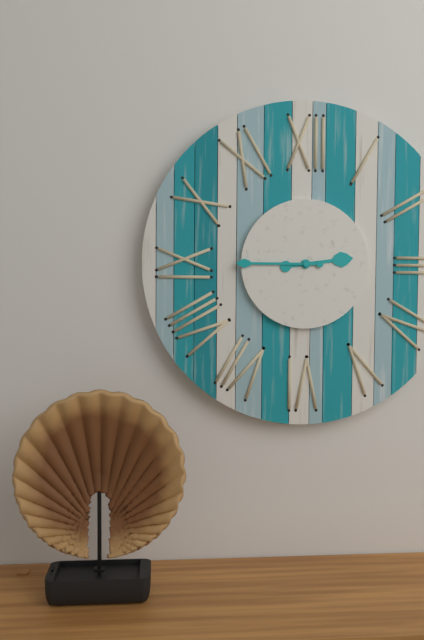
h=2 m=45
